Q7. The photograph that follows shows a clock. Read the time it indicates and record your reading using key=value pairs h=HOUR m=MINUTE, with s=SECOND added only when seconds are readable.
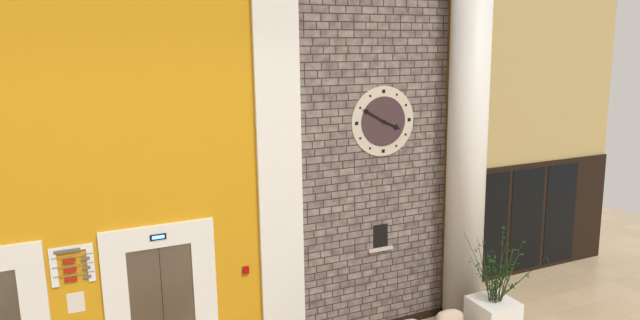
h=3 m=50
